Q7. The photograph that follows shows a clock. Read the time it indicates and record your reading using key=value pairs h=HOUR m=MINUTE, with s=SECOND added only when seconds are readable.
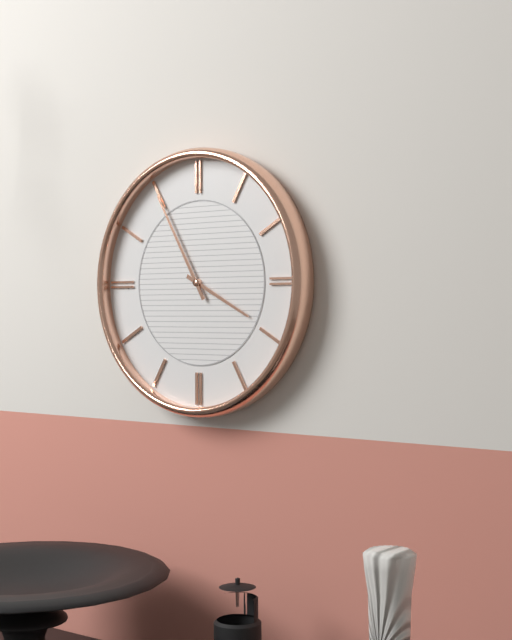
h=3 m=55
